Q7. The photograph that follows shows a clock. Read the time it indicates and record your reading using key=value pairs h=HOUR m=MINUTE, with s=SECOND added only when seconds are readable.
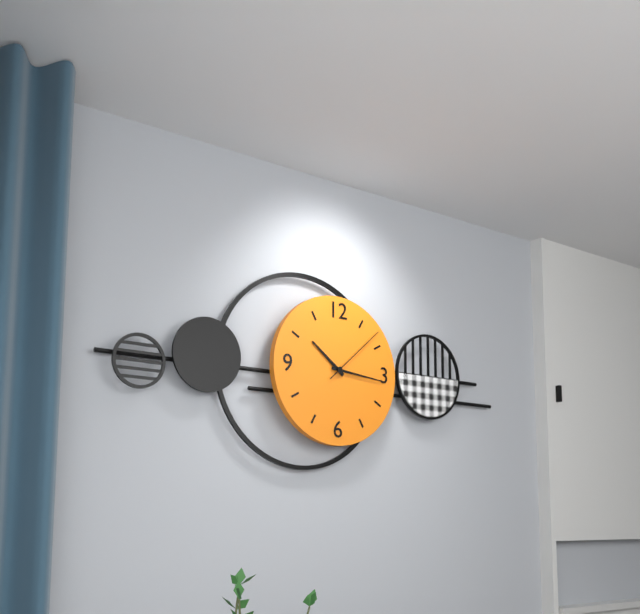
h=10 m=16 s=8
